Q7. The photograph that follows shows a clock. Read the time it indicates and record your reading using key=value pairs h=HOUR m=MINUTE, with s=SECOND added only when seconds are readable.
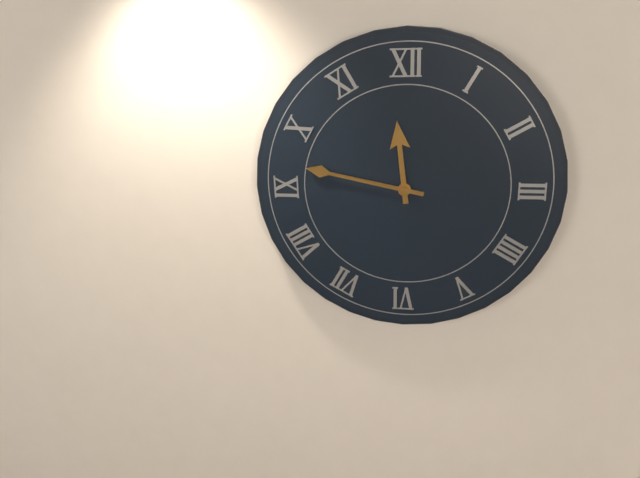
h=11 m=47
